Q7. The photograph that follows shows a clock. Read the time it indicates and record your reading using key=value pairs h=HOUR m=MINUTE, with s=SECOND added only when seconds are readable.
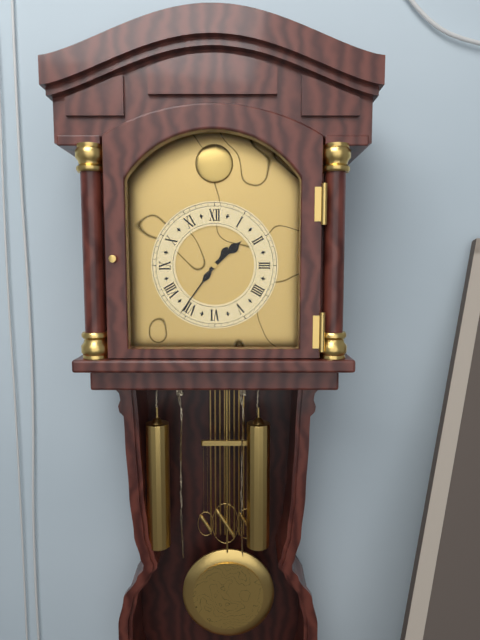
h=1 m=36
